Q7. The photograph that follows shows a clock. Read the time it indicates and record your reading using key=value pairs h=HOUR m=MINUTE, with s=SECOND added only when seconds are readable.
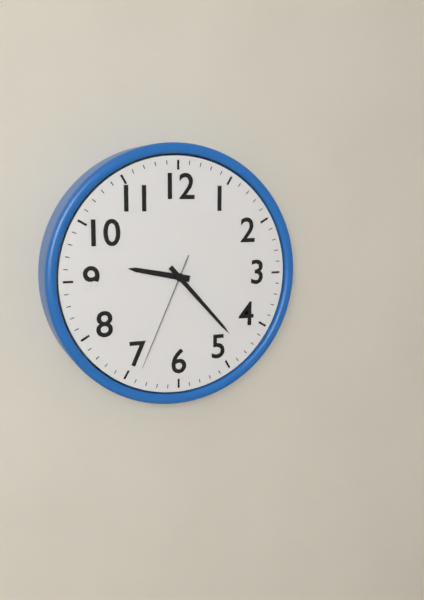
h=9 m=23 s=34
